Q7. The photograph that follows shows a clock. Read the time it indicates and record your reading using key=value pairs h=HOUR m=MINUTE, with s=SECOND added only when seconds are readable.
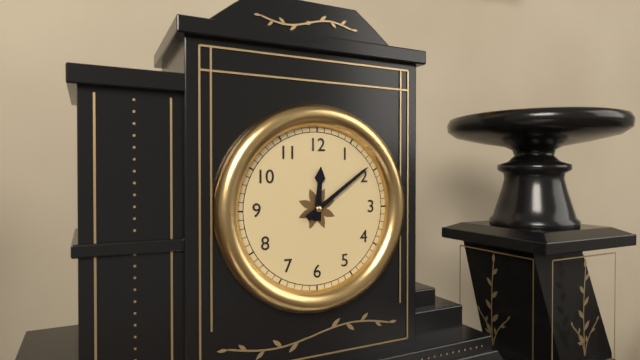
h=12 m=9
